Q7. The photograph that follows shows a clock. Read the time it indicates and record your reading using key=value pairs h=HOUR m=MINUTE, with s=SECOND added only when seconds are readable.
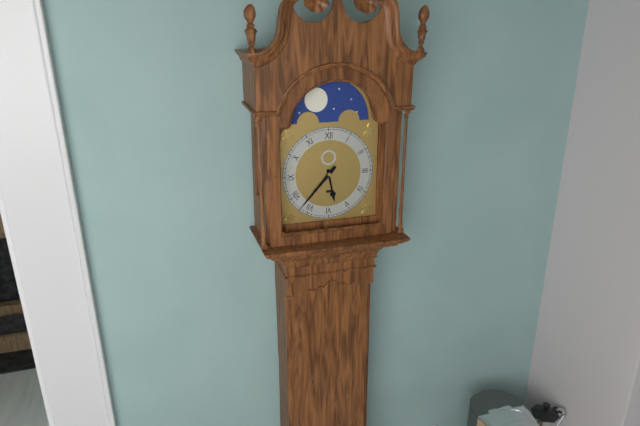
h=5 m=37
